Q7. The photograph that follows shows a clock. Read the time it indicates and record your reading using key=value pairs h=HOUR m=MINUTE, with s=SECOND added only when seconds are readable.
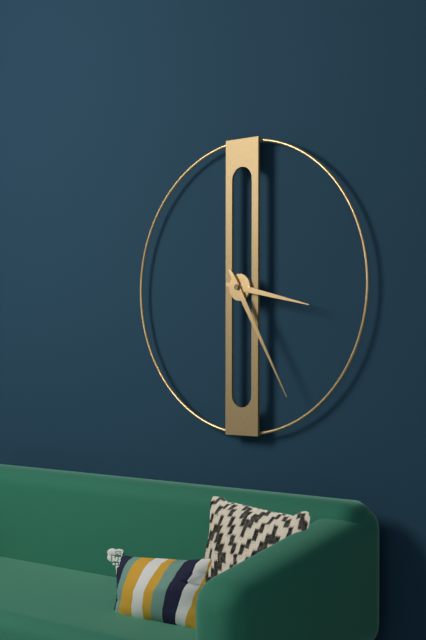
h=3 m=25
